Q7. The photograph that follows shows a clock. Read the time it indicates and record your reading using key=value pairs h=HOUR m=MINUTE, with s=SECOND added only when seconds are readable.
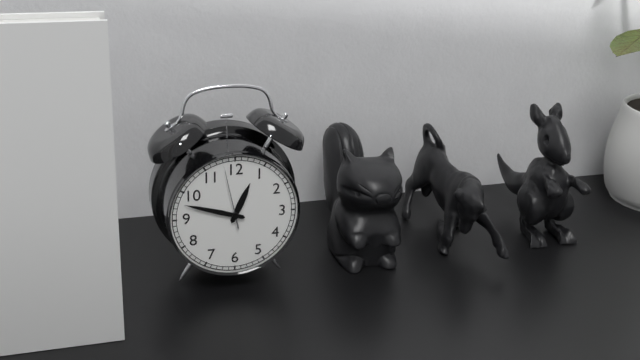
h=12 m=48 s=58
